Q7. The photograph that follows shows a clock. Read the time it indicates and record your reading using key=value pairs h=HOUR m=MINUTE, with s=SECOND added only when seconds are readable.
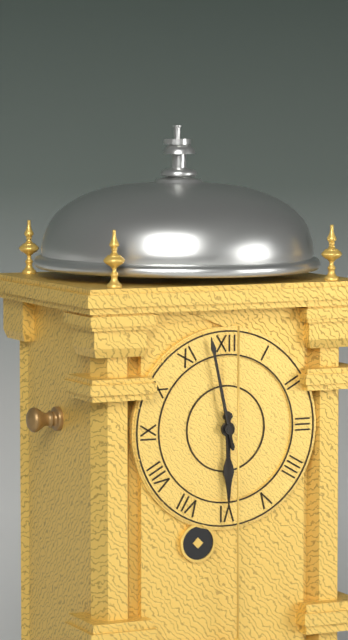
h=5 m=58
